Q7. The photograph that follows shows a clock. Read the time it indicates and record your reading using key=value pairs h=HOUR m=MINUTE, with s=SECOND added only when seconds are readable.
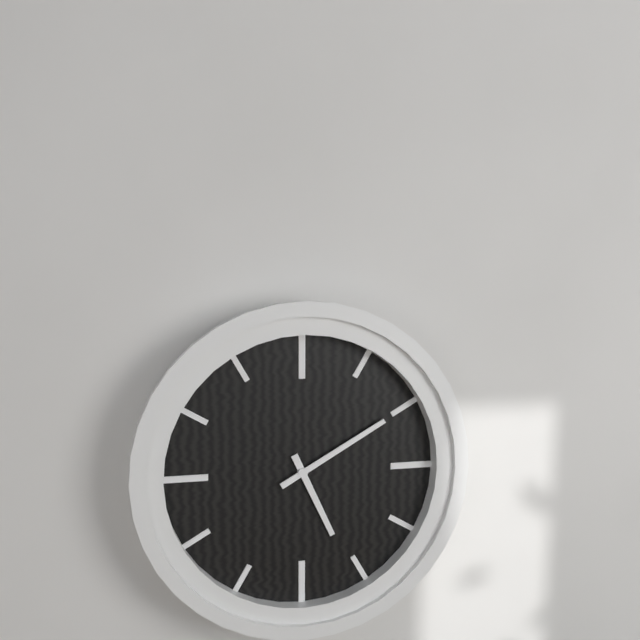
h=5 m=10
